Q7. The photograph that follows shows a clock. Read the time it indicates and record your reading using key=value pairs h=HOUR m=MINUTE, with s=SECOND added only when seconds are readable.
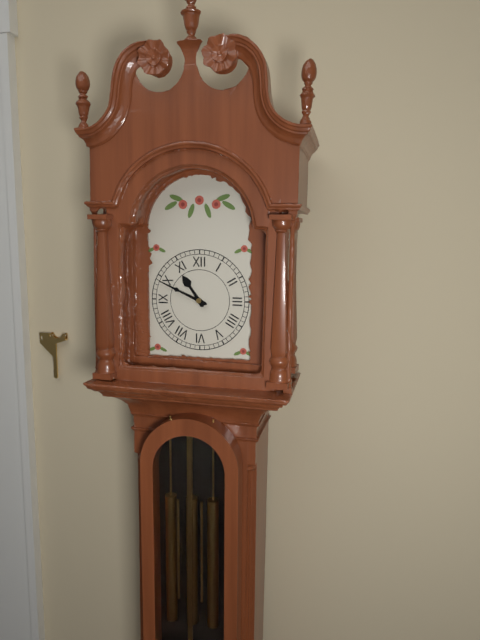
h=10 m=49
